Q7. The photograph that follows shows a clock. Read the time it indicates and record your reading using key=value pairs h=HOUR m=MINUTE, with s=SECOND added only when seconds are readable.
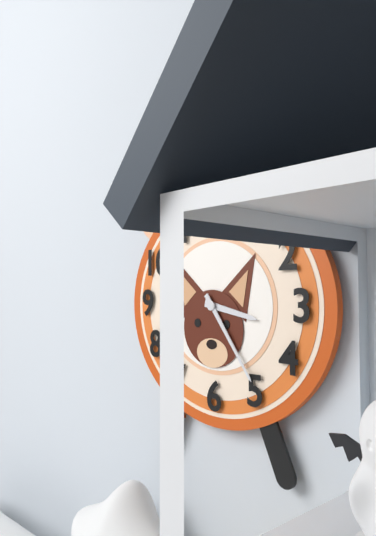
h=3 m=24
